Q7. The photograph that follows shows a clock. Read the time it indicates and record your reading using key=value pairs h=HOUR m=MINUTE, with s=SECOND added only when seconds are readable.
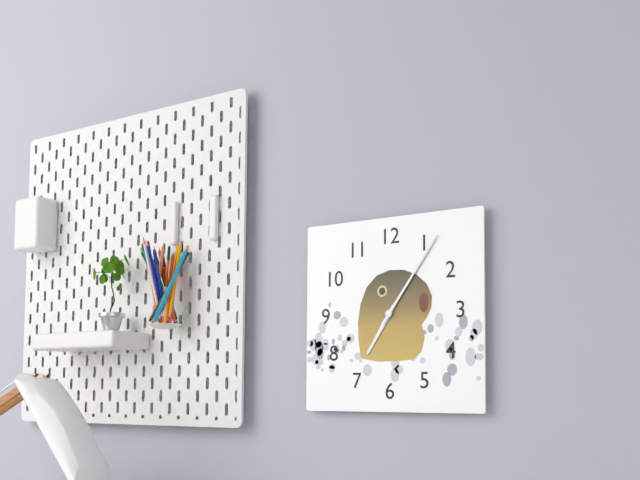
h=7 m=6
